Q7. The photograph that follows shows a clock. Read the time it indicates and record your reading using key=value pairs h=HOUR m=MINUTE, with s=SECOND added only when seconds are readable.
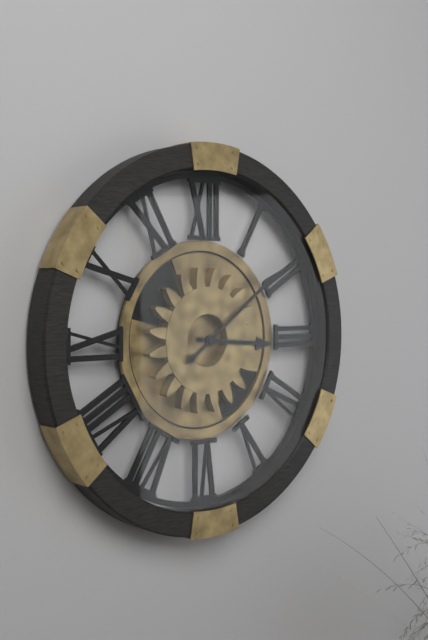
h=3 m=9
